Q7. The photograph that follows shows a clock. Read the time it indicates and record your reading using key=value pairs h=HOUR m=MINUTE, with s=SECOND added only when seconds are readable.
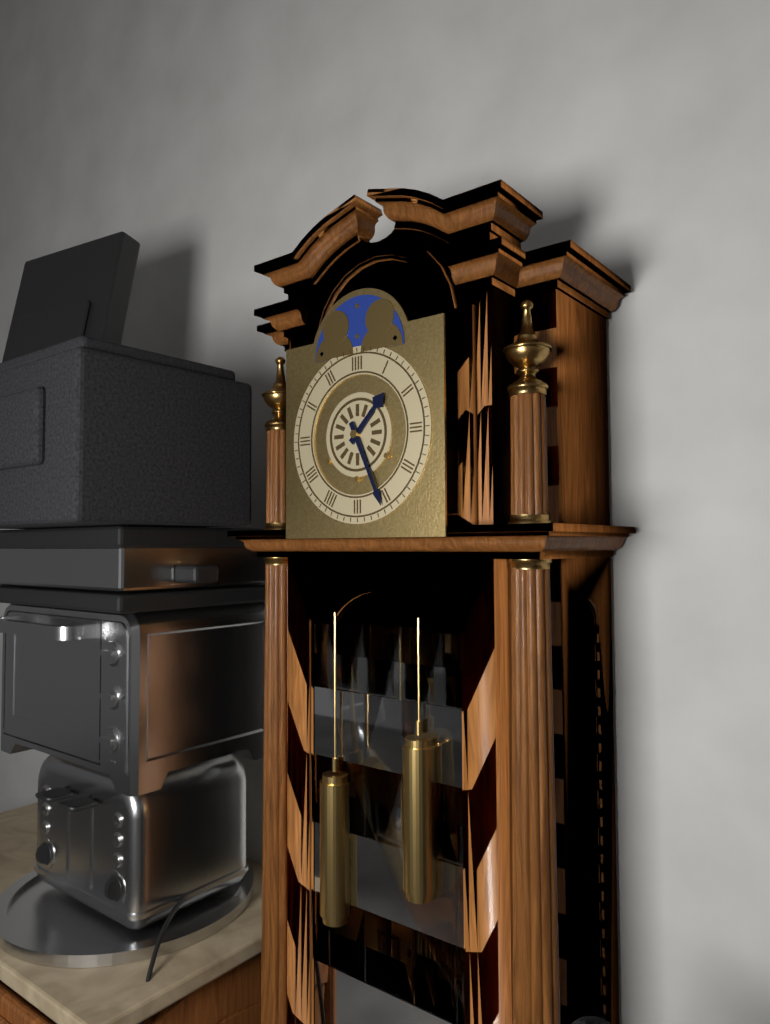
h=1 m=26
